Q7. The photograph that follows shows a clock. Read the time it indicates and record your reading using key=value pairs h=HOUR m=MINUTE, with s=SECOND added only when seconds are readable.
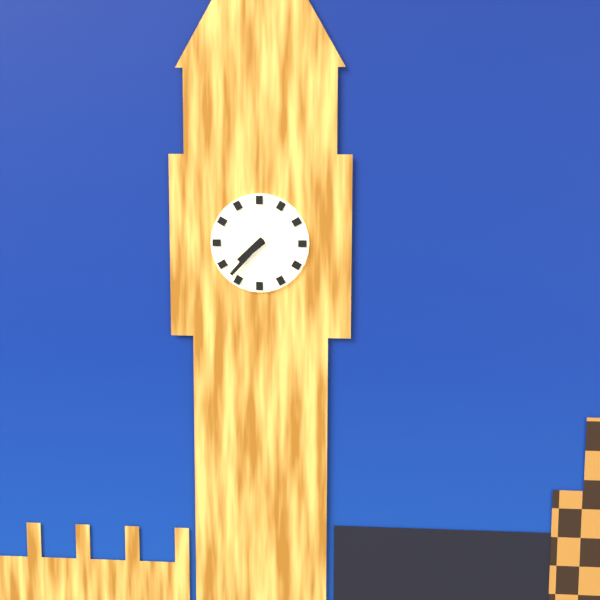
h=7 m=37
